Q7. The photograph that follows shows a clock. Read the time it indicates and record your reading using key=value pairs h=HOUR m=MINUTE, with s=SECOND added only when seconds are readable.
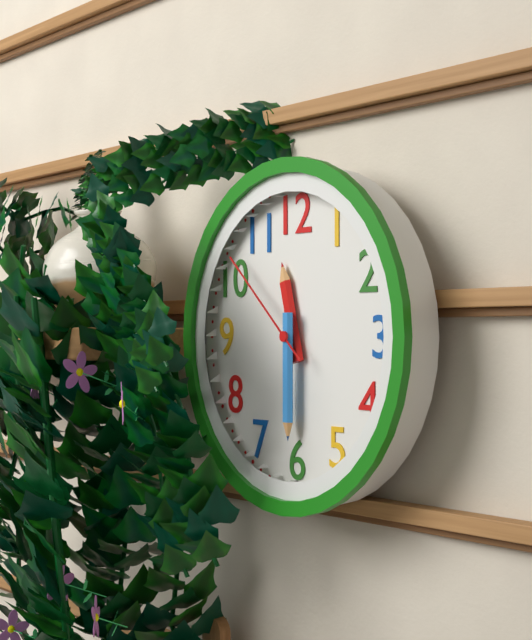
h=11 m=30 s=52
